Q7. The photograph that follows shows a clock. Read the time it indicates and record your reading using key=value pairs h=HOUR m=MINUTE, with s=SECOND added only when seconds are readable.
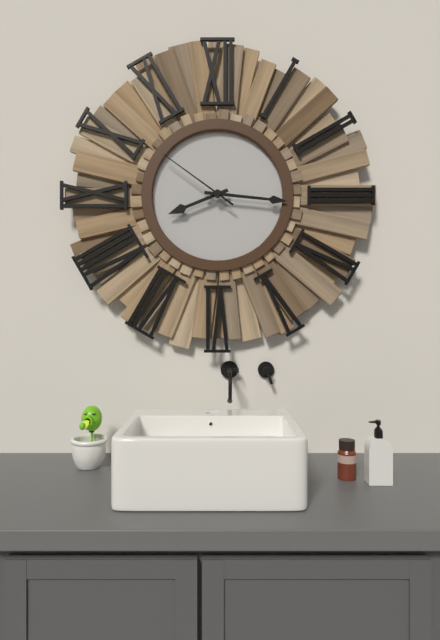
h=8 m=16 s=51
